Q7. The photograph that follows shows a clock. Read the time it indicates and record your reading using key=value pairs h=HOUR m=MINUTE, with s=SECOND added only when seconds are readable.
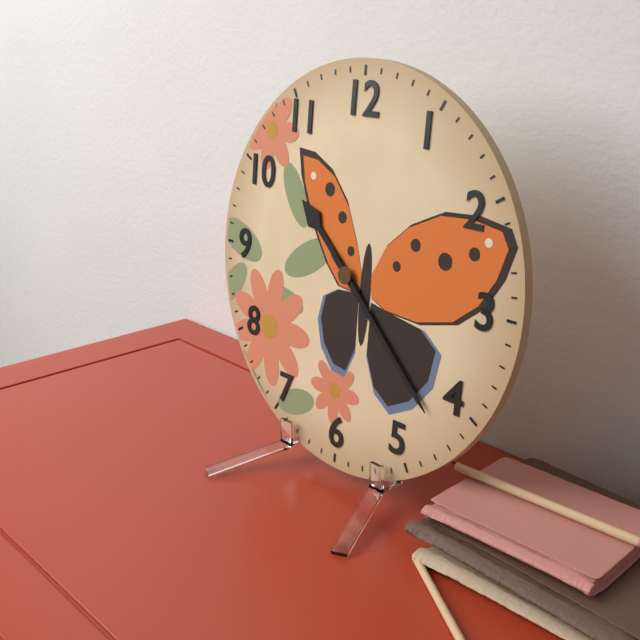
h=10 m=22
